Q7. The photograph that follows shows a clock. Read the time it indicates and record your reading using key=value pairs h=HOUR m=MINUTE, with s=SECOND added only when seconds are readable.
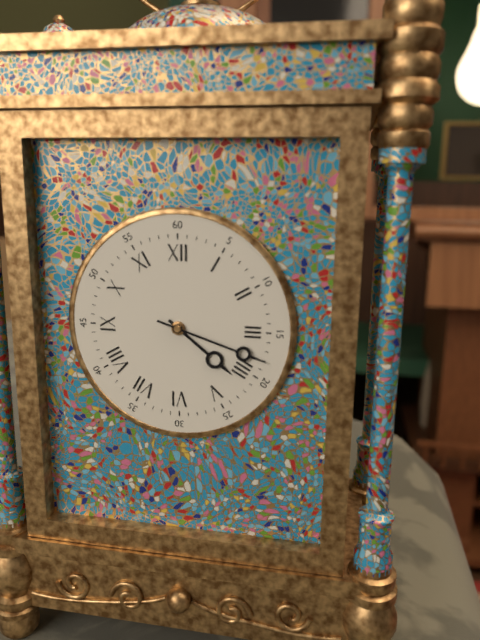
h=4 m=18
